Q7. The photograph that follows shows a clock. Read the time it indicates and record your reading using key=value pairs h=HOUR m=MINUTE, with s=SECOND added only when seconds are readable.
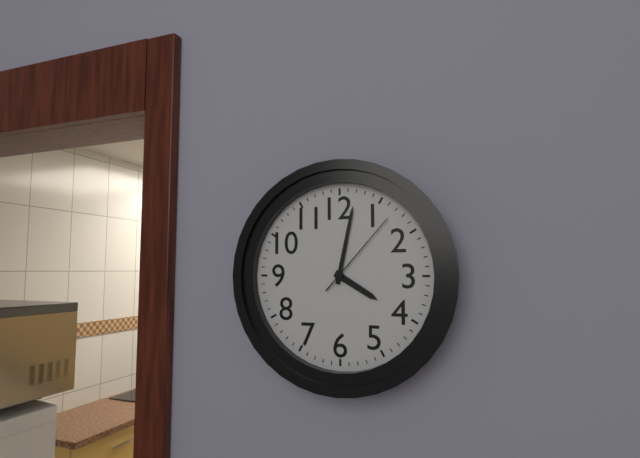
h=4 m=2 s=7
